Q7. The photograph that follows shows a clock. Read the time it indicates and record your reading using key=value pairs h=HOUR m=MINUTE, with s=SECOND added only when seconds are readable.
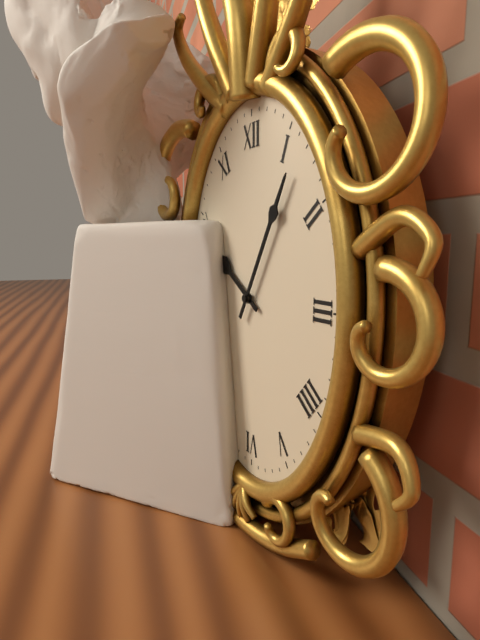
h=10 m=5
